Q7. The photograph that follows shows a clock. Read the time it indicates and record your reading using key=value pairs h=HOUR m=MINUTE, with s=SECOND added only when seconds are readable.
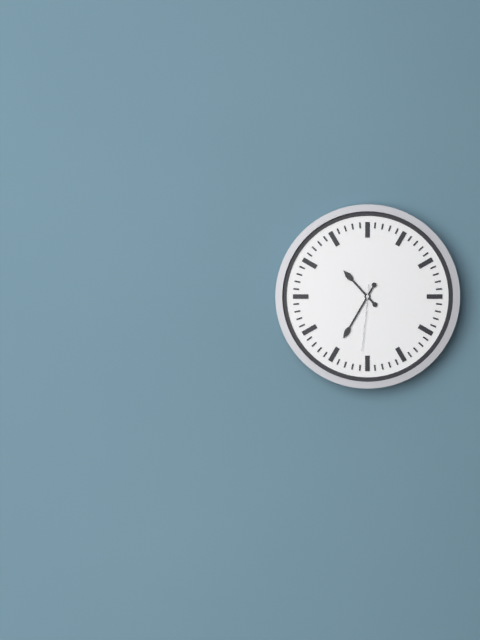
h=10 m=35 s=31
